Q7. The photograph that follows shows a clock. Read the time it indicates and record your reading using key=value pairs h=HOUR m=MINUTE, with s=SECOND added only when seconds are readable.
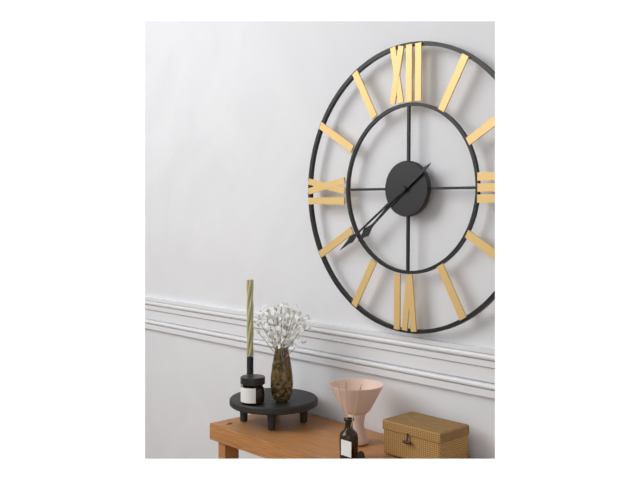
h=7 m=39
